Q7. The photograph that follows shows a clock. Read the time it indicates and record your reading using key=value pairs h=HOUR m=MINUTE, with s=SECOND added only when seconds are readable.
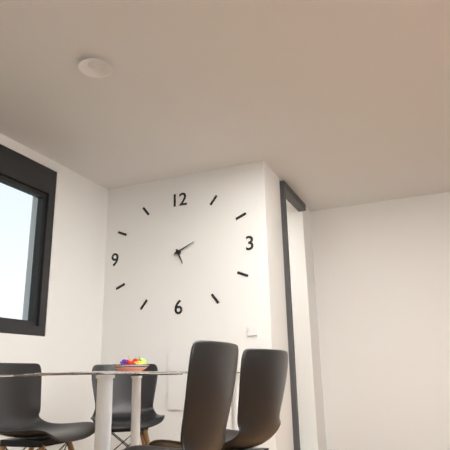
h=5 m=11
